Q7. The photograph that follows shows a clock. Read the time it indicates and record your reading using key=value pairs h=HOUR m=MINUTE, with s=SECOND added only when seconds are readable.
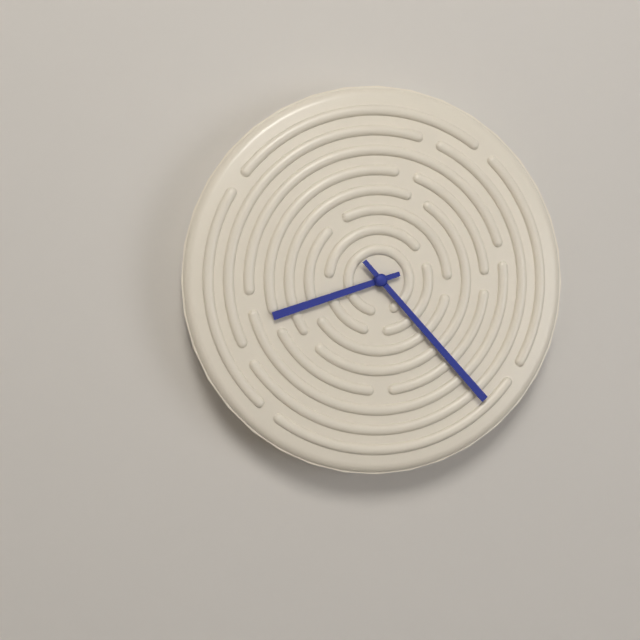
h=8 m=23
